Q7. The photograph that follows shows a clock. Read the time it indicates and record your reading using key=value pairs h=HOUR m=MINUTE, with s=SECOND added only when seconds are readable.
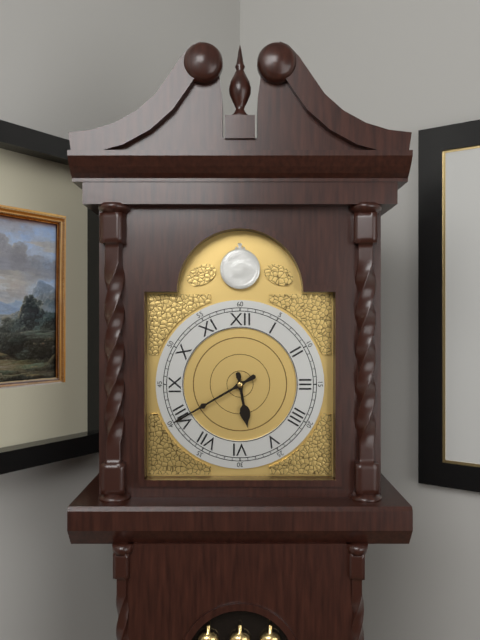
h=5 m=40
